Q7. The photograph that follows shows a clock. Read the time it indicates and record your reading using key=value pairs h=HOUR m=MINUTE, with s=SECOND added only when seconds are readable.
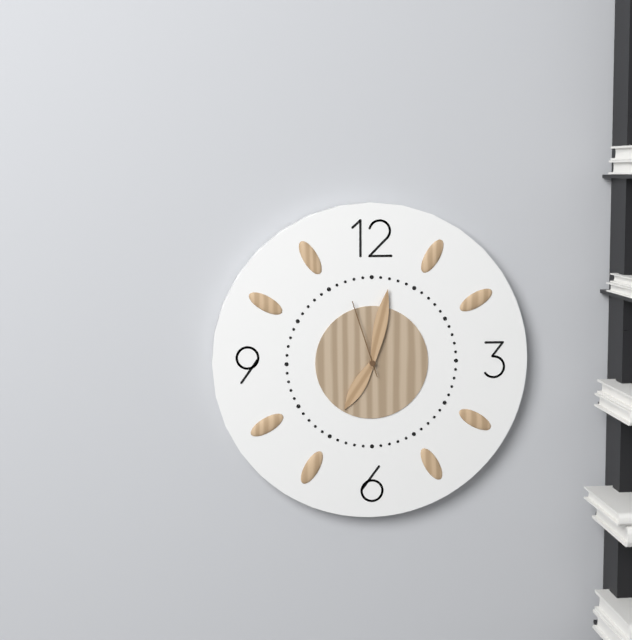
h=7 m=2 s=57
